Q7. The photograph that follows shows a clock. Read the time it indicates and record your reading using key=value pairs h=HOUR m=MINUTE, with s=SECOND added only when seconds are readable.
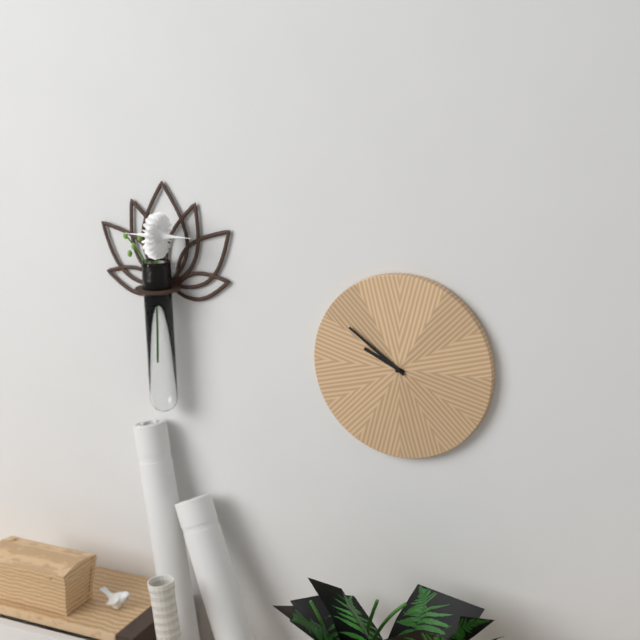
h=9 m=51
